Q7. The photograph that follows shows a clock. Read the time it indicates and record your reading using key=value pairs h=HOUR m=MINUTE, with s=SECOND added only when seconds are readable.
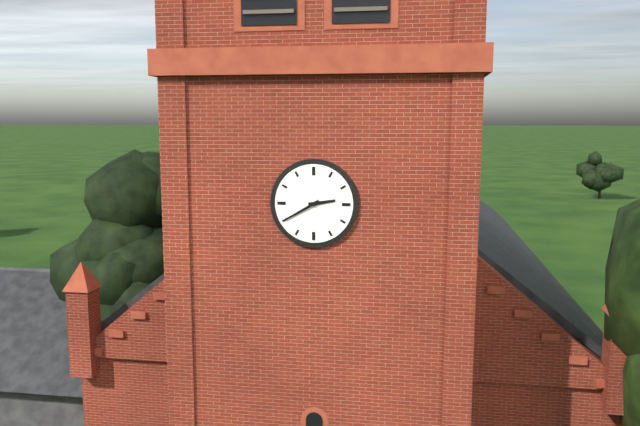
h=2 m=40
